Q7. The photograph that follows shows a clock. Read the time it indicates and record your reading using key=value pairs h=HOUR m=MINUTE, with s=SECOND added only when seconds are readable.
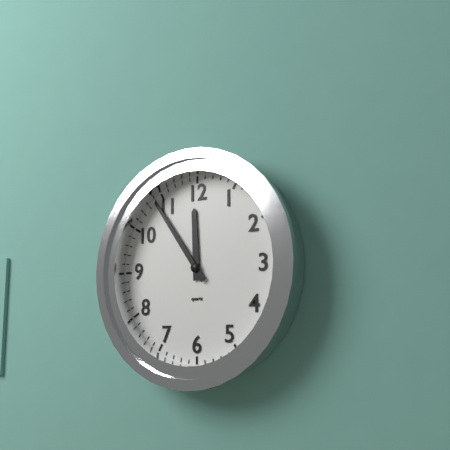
h=11 m=54
